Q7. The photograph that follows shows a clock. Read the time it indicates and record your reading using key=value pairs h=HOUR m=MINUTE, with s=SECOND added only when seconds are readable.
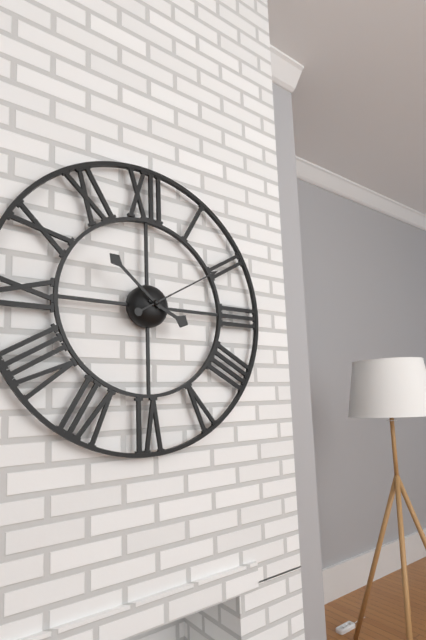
h=3 m=52 s=10
